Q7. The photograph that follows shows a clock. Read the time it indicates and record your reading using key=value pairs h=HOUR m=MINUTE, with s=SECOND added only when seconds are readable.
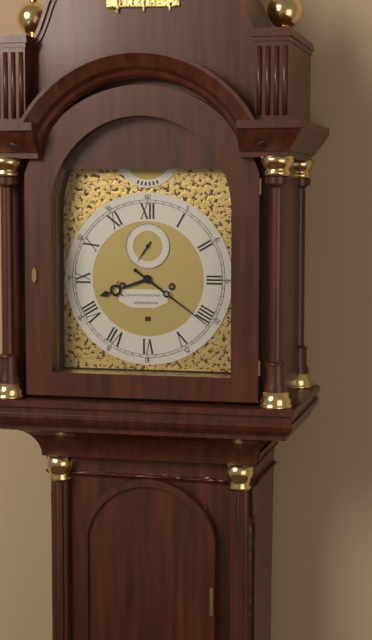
h=8 m=21
